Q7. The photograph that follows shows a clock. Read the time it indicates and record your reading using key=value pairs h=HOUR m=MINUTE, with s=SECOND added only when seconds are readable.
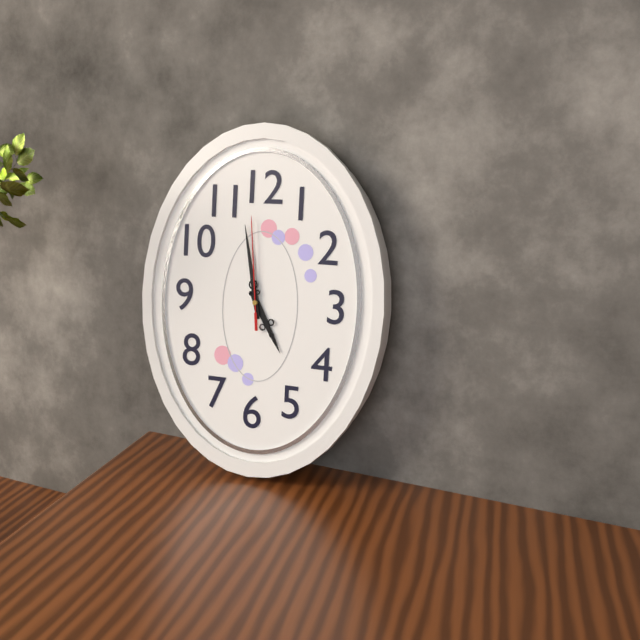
h=4 m=58 s=59
